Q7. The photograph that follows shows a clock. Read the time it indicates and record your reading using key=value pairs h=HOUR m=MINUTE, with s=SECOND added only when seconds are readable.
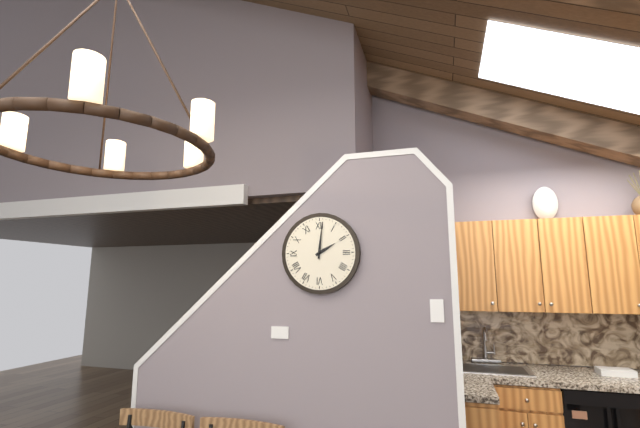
h=2 m=1
